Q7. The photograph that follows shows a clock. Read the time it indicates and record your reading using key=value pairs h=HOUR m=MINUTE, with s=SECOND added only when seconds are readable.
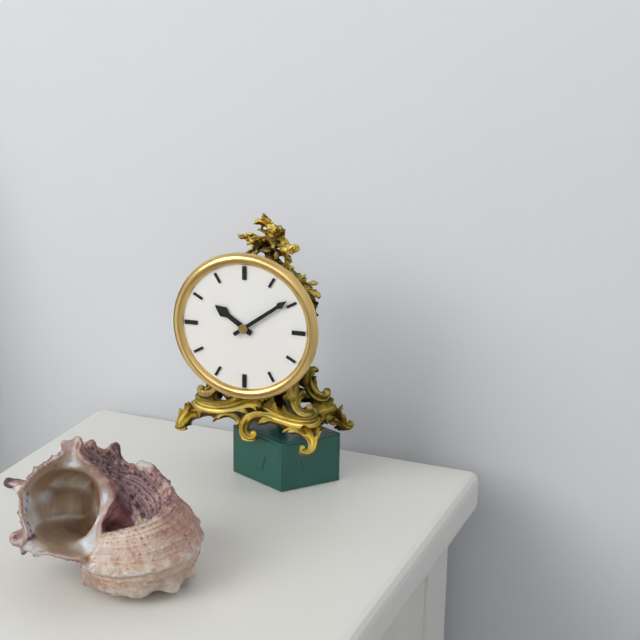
h=10 m=9
